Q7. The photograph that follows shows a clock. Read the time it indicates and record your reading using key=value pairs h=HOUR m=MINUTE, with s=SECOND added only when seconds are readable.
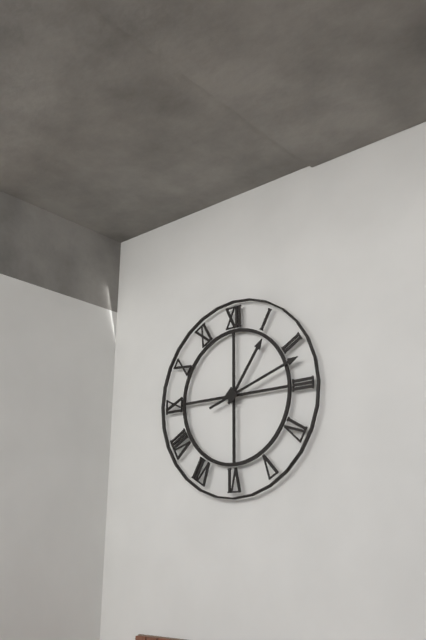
h=1 m=12
